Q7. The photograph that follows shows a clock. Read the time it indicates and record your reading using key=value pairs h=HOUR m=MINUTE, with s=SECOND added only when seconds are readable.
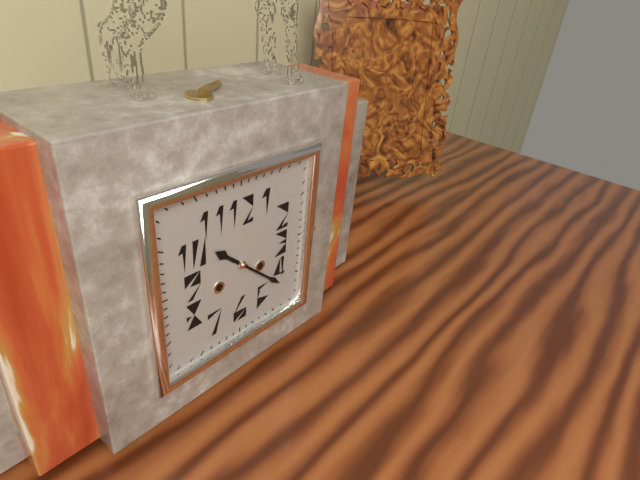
h=10 m=22
